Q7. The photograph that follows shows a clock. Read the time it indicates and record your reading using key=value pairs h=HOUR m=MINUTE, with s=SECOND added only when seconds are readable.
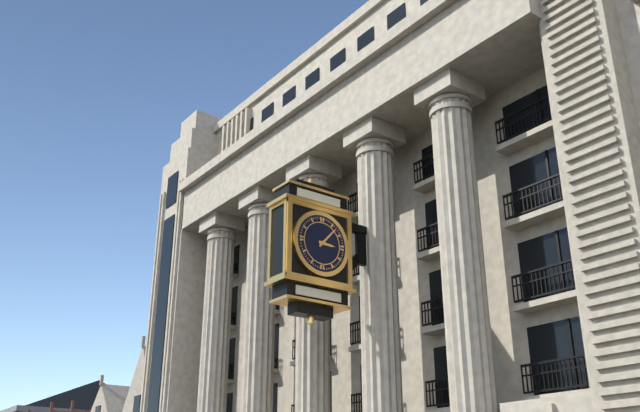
h=3 m=7
